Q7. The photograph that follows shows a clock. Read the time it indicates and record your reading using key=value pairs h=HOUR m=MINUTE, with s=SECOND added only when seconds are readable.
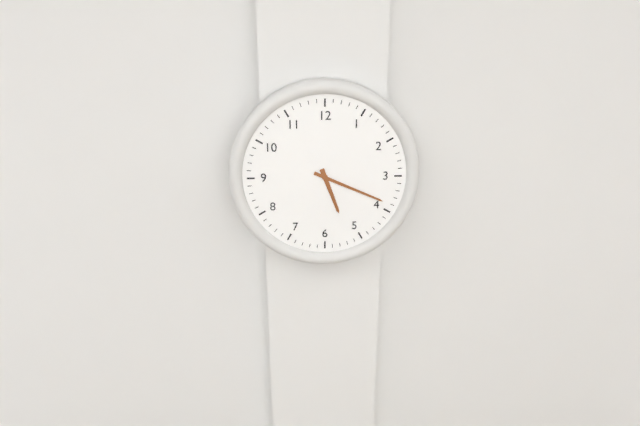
h=5 m=19
